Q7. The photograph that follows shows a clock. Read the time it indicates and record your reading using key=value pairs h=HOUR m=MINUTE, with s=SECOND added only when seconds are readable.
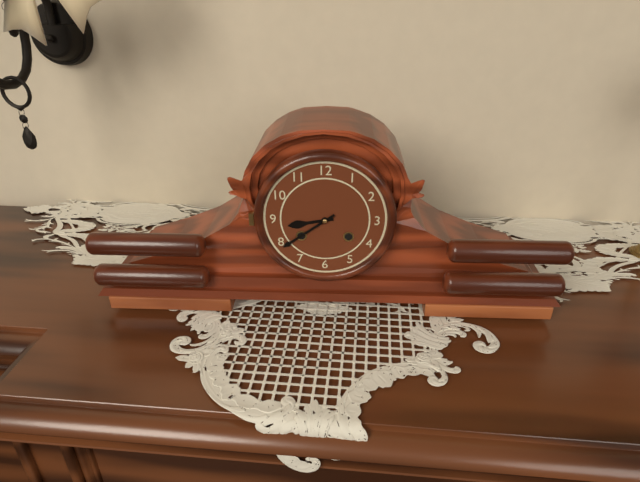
h=8 m=39
